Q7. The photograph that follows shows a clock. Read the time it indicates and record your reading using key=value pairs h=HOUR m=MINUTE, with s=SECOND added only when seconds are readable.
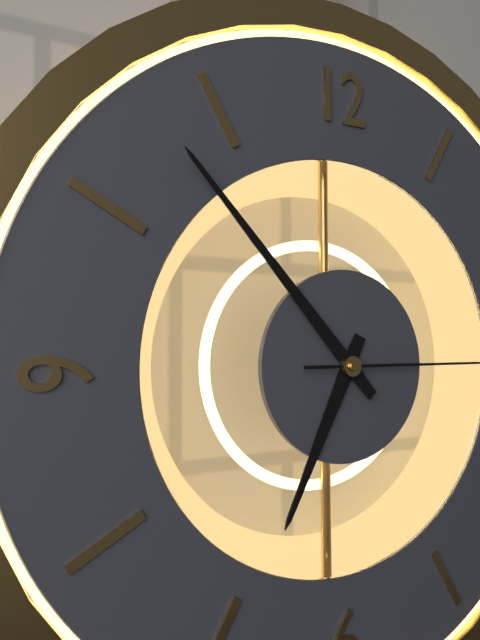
h=6 m=53
